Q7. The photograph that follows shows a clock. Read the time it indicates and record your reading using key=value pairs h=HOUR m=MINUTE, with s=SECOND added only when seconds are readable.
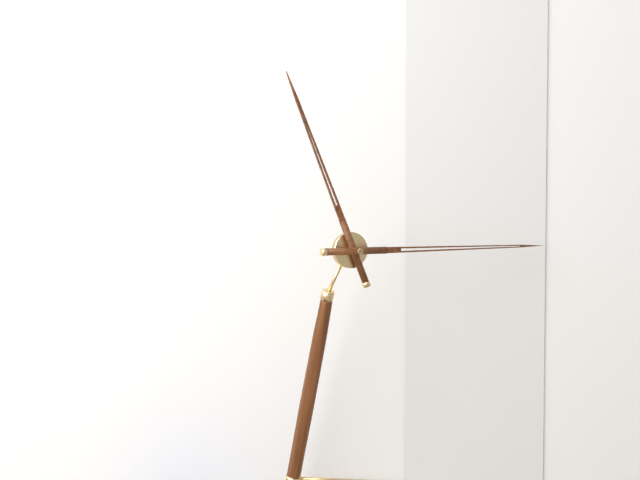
h=11 m=15
